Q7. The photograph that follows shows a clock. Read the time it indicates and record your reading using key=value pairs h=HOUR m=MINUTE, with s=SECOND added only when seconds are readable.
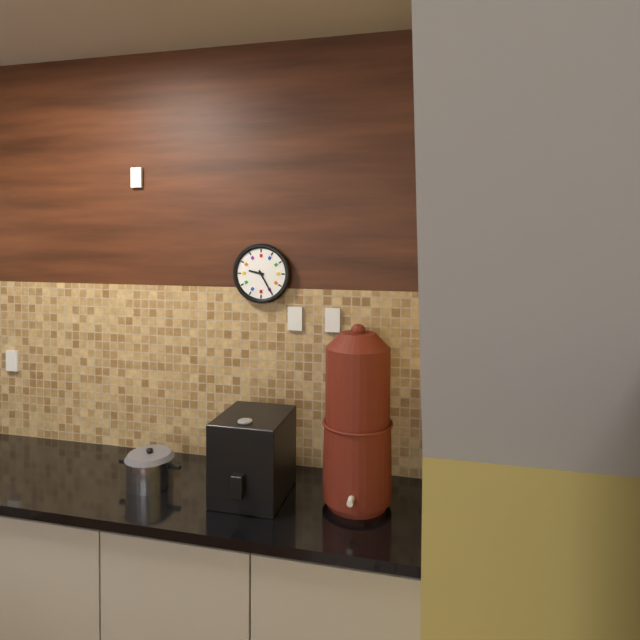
h=9 m=25
